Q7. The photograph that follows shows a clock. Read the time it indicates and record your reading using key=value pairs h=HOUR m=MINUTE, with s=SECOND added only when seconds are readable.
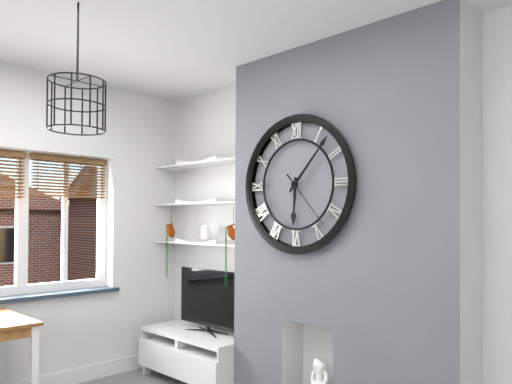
h=6 m=7 s=23
